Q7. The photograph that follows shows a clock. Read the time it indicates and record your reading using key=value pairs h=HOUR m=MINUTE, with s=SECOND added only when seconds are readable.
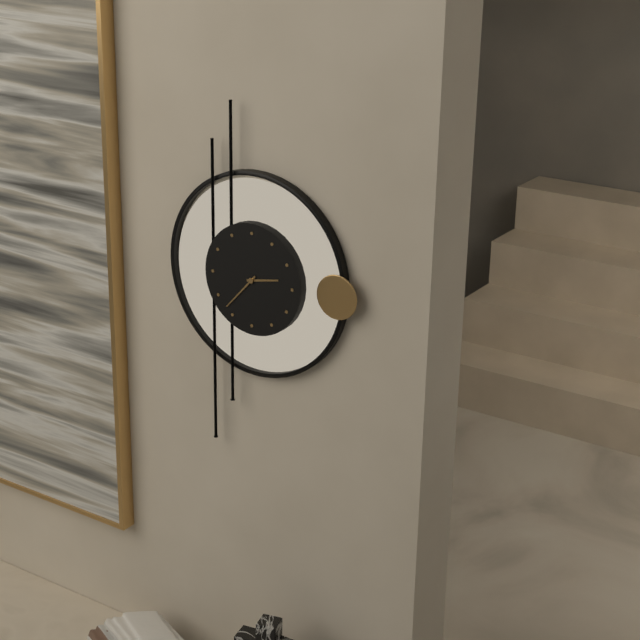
h=2 m=37
